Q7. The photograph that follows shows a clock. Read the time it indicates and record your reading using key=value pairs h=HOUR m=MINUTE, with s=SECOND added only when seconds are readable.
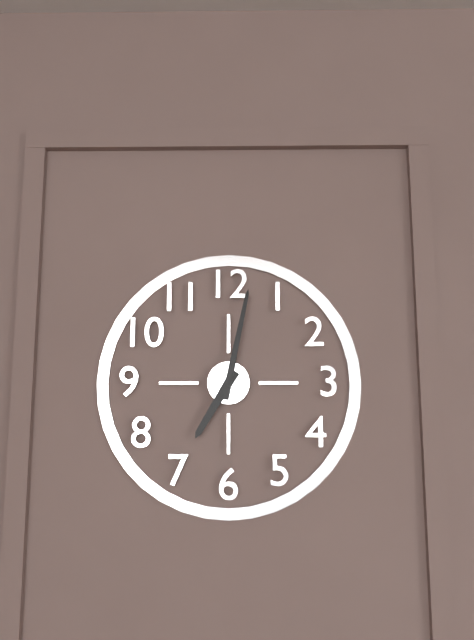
h=7 m=2
